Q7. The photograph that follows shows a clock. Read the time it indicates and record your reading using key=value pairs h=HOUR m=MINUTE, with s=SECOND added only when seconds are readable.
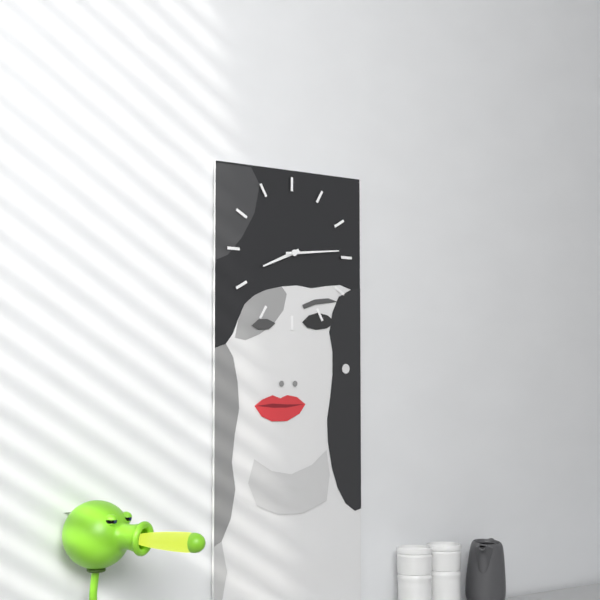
h=8 m=14
